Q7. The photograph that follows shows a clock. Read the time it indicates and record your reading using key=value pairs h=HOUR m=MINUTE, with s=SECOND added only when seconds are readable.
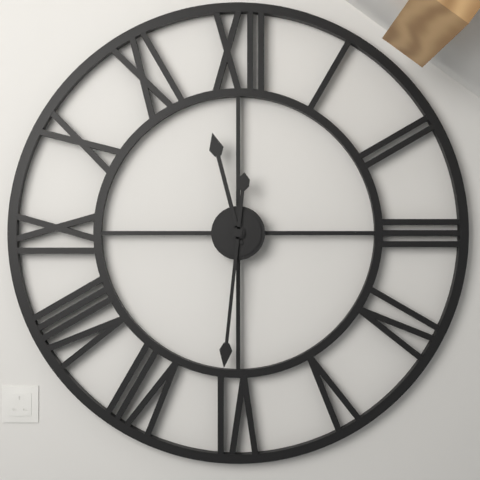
h=11 m=31
